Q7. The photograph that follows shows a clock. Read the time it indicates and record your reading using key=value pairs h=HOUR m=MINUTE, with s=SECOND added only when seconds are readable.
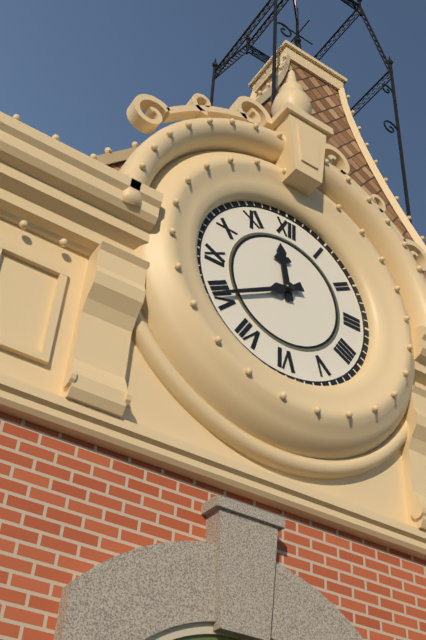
h=11 m=40
